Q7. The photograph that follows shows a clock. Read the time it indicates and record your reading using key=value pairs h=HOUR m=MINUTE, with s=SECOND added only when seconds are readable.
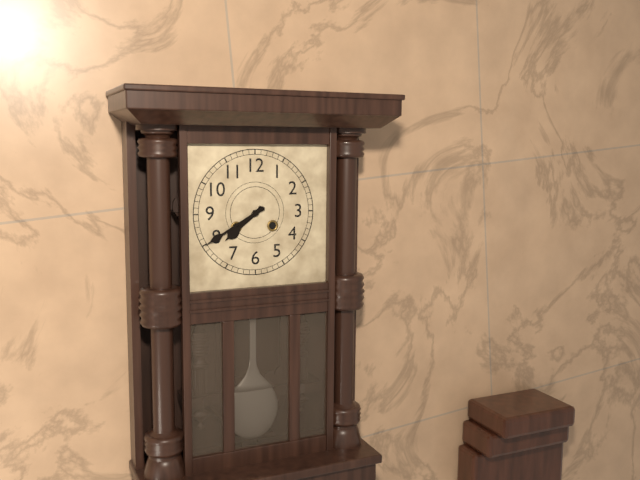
h=7 m=40
